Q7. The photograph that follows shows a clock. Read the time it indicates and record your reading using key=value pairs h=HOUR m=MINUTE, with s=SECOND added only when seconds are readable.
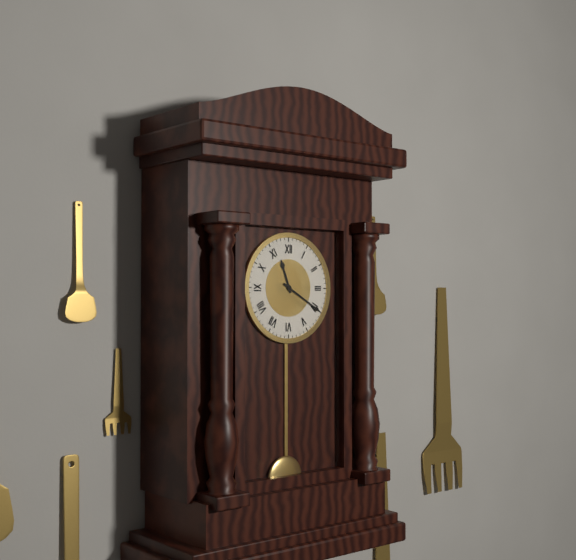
h=11 m=20
